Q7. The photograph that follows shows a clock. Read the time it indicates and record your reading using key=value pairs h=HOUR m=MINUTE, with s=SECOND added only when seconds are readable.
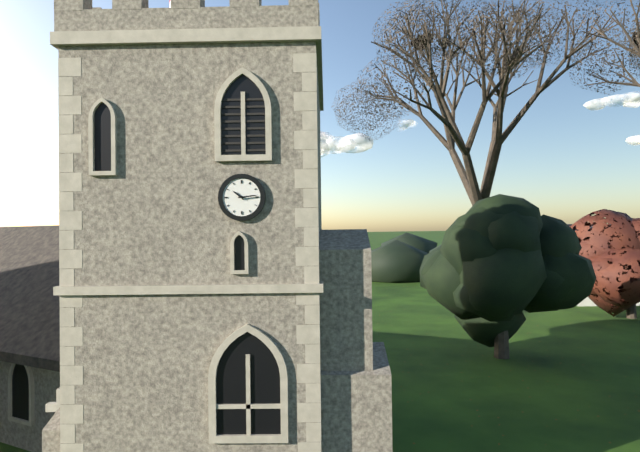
h=10 m=14
